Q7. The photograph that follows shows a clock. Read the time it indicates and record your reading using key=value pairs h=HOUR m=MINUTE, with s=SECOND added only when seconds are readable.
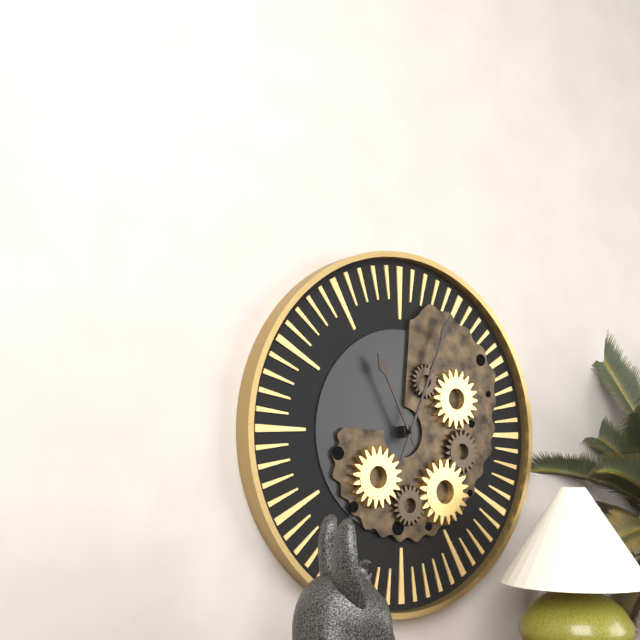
h=11 m=4
